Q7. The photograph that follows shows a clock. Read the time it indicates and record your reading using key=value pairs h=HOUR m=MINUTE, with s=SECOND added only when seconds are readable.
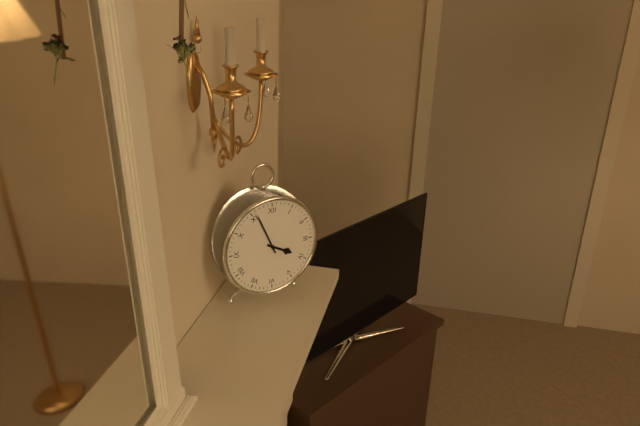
h=3 m=56
